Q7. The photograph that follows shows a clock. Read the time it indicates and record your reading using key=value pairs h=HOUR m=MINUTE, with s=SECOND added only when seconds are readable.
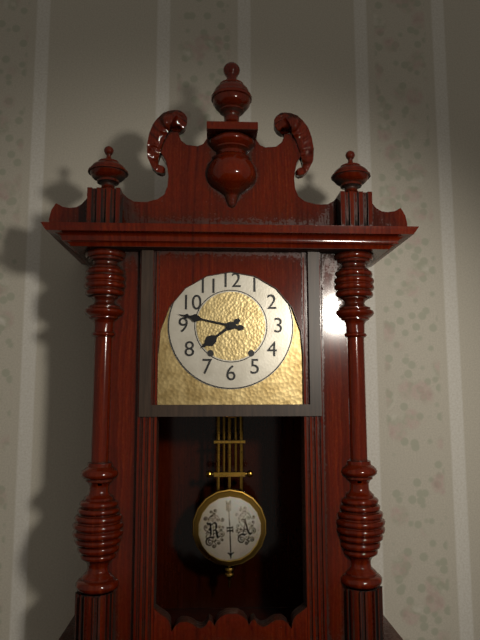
h=7 m=47
